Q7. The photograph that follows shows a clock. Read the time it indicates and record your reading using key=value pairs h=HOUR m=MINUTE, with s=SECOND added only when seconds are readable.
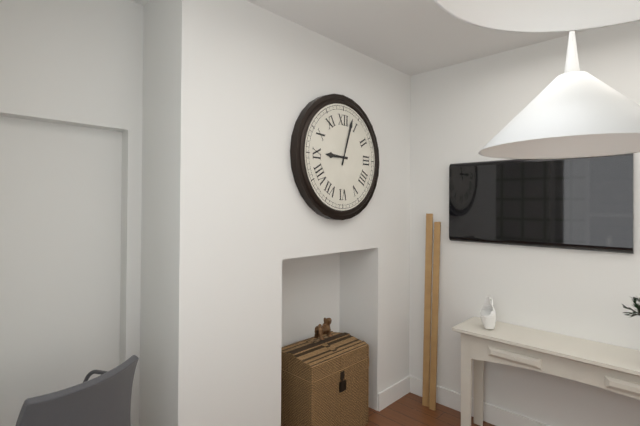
h=9 m=3
